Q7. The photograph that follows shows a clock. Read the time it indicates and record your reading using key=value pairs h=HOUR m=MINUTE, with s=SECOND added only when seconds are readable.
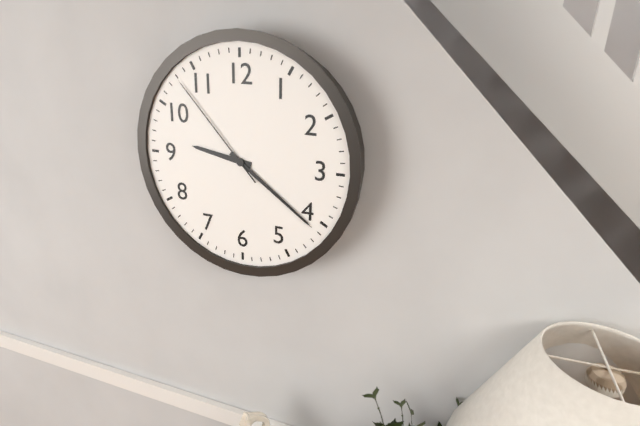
h=9 m=21 s=53
